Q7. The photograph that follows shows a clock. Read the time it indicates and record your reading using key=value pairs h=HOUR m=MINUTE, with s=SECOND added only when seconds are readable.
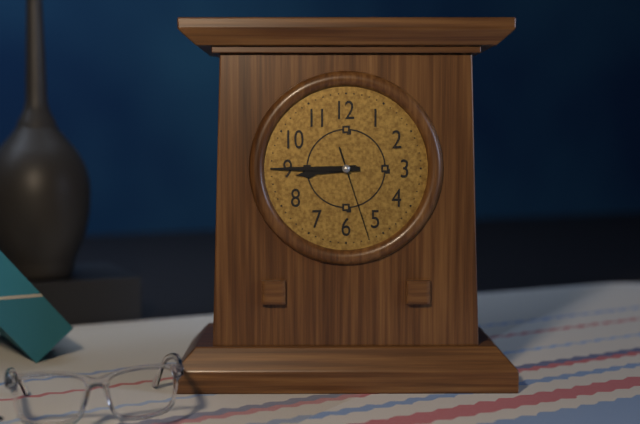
h=8 m=45 s=27
